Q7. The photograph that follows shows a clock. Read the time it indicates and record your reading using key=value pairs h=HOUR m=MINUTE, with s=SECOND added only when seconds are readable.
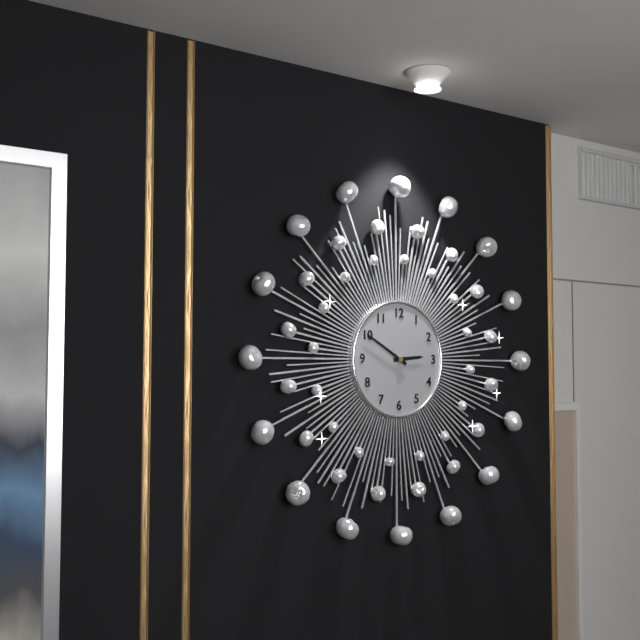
h=2 m=50
